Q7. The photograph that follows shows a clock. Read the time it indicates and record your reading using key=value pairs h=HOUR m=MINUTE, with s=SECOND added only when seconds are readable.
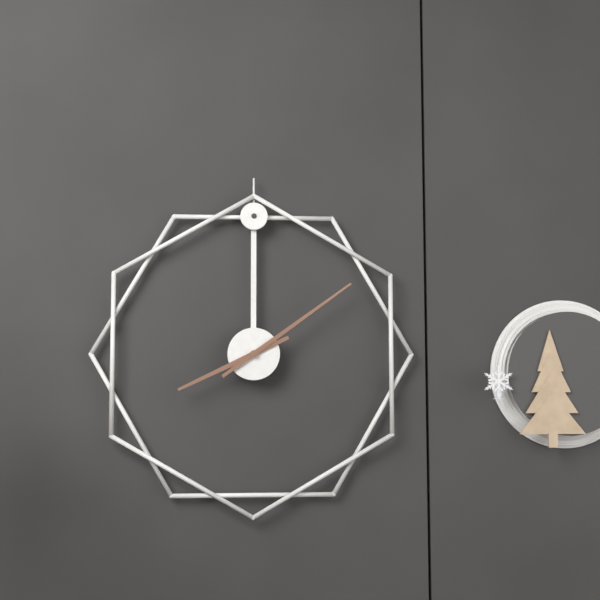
h=8 m=9
